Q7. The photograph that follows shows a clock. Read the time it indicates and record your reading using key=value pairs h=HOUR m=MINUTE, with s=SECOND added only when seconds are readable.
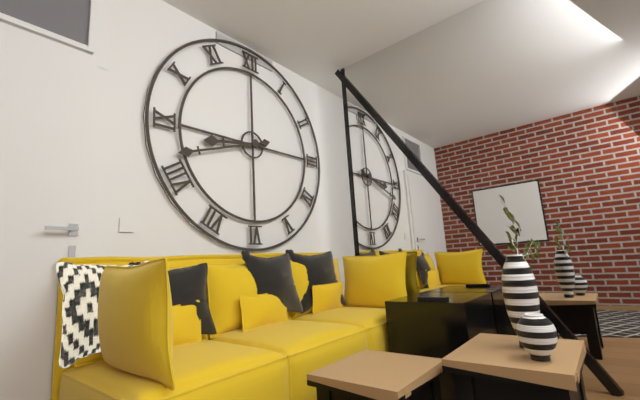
h=8 m=42
